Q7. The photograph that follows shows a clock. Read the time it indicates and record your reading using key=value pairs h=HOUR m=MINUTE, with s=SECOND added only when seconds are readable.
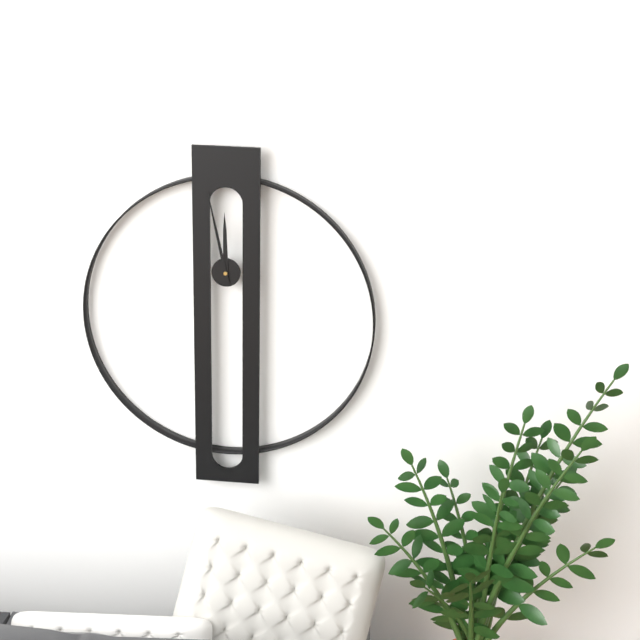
h=11 m=58
